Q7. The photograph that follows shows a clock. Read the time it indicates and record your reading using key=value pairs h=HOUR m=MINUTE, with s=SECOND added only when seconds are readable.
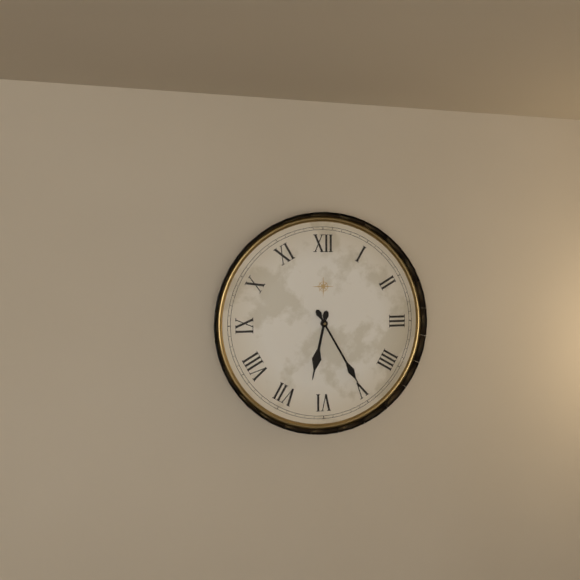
h=6 m=25
